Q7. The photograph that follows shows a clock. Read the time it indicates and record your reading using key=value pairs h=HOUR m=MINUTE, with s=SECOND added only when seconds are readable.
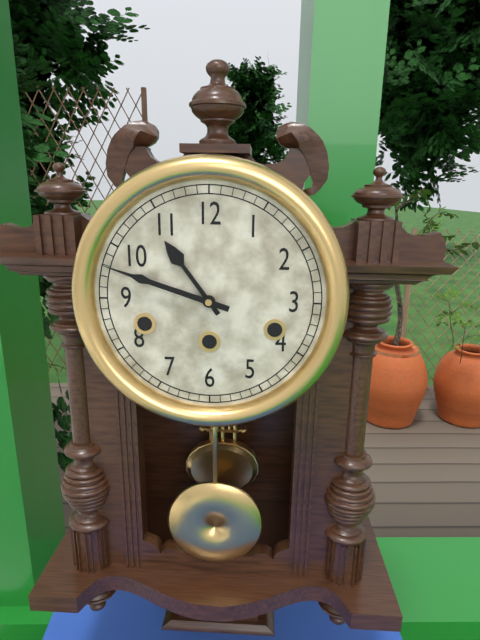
h=10 m=48
